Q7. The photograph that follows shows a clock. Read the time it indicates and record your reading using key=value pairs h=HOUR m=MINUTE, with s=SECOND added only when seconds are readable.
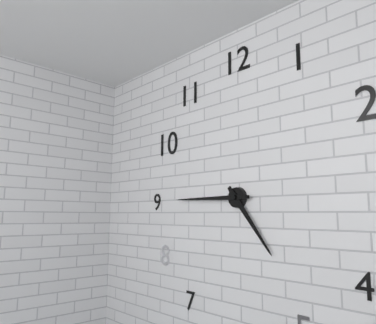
h=4 m=45
